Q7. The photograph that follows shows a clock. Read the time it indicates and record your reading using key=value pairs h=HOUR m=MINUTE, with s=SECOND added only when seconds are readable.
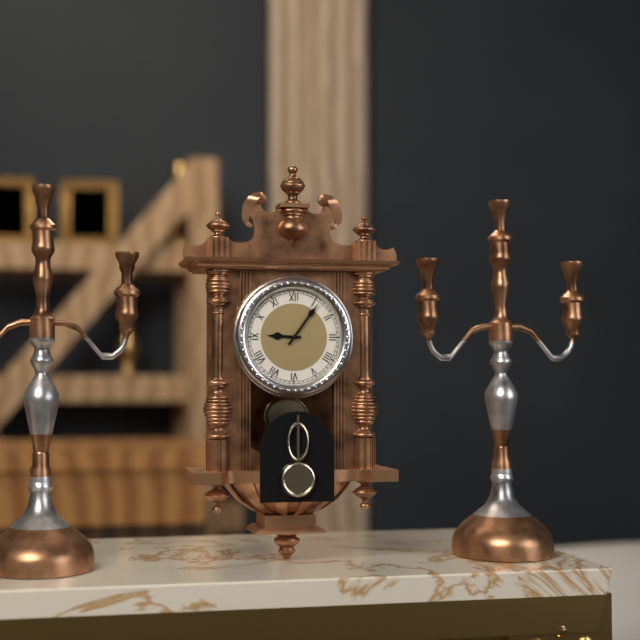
h=9 m=6
